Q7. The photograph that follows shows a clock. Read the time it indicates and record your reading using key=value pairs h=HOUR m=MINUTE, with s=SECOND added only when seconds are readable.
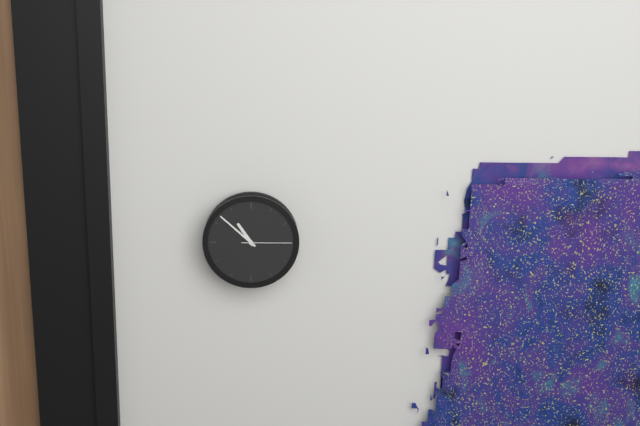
h=10 m=52 s=15
